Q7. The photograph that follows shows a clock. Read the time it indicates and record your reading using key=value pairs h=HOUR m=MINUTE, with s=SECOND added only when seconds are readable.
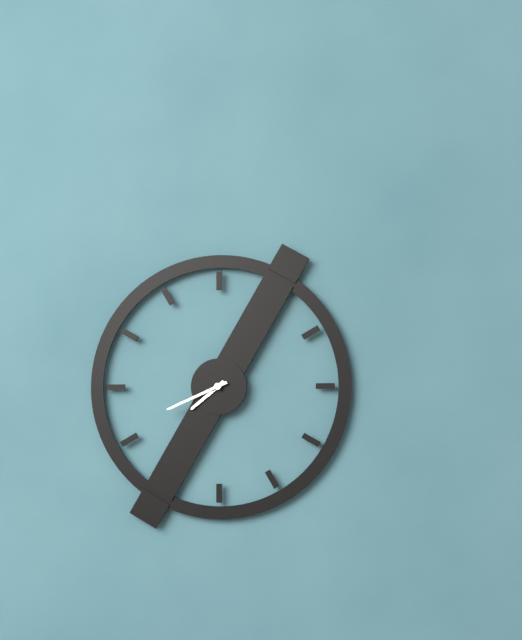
h=7 m=41
